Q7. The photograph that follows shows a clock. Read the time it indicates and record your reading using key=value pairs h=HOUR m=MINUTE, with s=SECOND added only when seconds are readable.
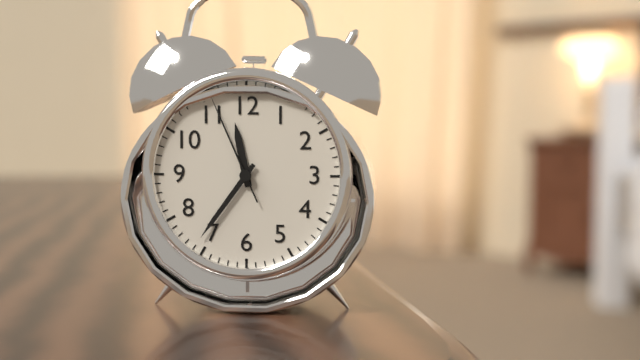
h=11 m=36 s=56
